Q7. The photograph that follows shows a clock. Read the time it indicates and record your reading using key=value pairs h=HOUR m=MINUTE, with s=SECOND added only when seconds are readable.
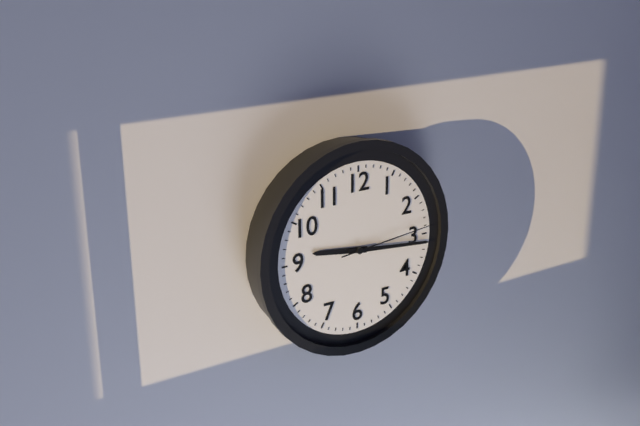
h=9 m=16 s=14
